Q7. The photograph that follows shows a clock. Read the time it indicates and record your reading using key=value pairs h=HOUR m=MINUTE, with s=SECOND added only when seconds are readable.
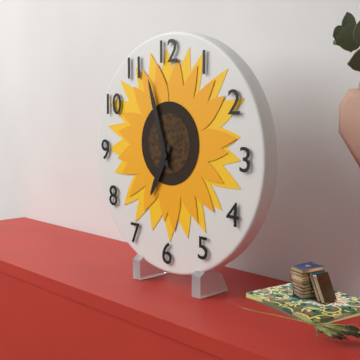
h=6 m=57
